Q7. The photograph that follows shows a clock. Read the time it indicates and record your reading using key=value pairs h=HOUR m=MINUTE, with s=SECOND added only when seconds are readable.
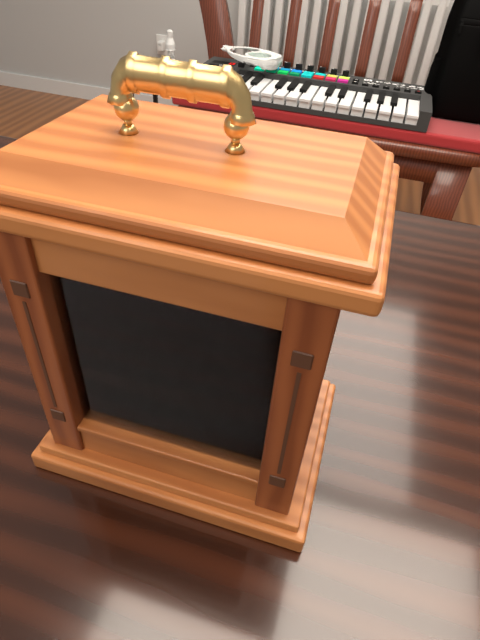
h=8 m=21
